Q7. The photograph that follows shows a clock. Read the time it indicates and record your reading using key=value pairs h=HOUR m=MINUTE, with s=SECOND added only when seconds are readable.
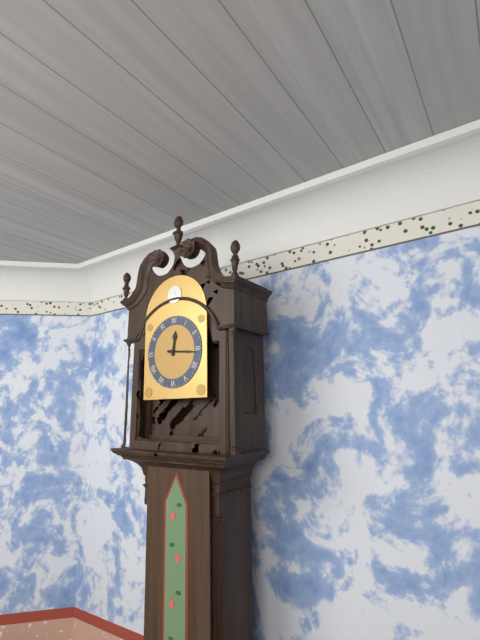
h=12 m=16
